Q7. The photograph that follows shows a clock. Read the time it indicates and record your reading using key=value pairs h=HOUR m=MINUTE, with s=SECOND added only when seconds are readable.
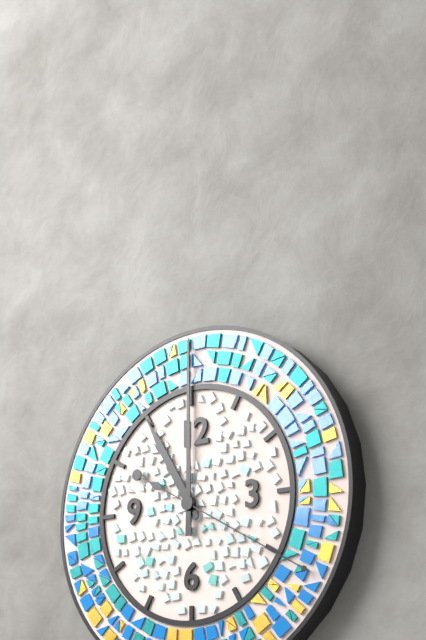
h=11 m=0 s=20
